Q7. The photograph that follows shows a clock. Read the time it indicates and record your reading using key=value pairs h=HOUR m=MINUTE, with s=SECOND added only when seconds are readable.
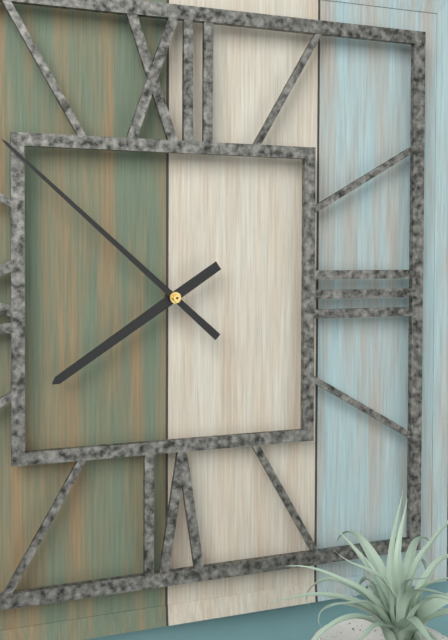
h=7 m=52
